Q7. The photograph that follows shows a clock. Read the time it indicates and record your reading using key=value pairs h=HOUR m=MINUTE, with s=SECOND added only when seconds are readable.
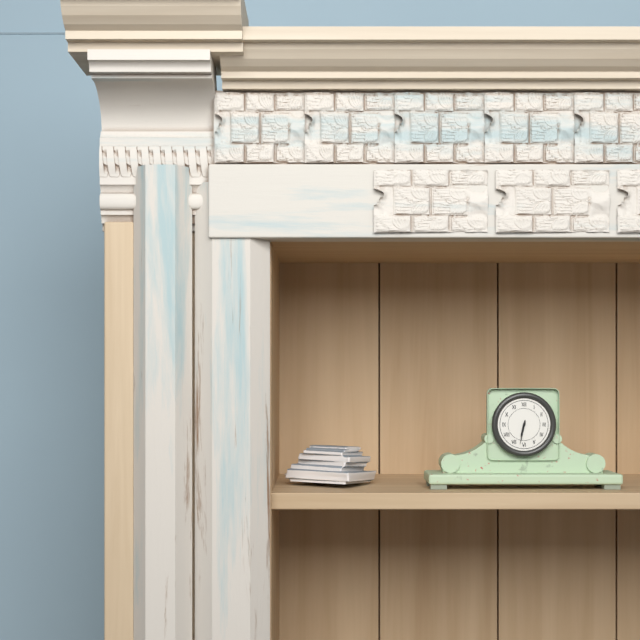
h=6 m=32
